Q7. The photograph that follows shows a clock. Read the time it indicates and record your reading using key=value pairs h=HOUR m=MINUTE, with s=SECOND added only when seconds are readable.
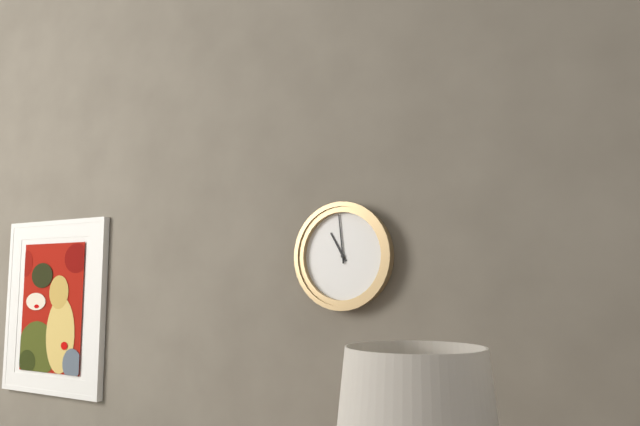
h=10 m=59
